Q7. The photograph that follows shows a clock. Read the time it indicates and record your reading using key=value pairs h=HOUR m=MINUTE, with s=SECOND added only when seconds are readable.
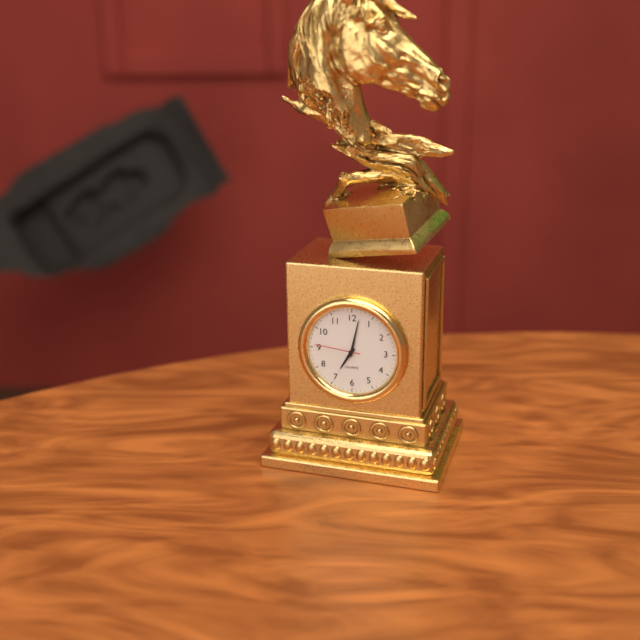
h=7 m=2
